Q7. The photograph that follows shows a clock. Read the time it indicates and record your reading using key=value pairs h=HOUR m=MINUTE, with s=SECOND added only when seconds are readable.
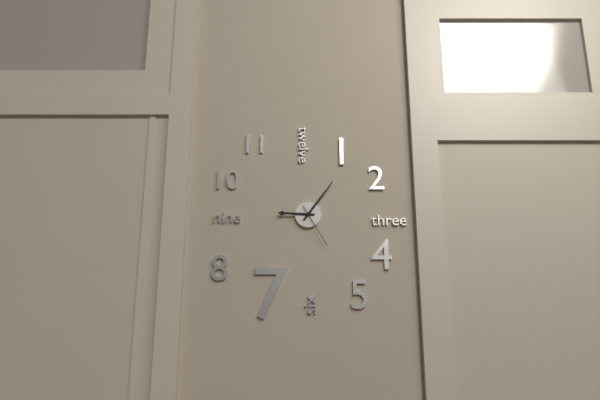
h=9 m=6
